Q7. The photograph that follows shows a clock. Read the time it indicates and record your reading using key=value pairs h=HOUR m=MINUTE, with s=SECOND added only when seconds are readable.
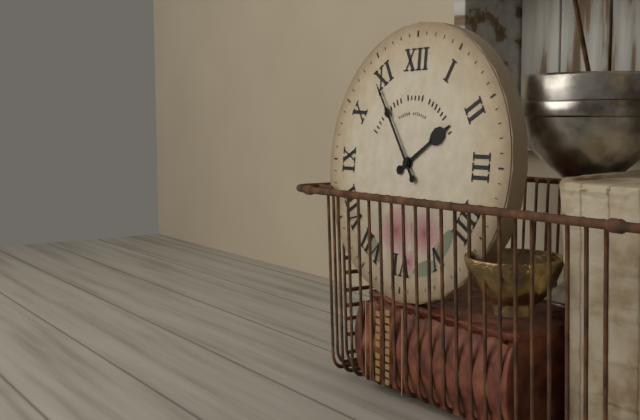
h=1 m=54
